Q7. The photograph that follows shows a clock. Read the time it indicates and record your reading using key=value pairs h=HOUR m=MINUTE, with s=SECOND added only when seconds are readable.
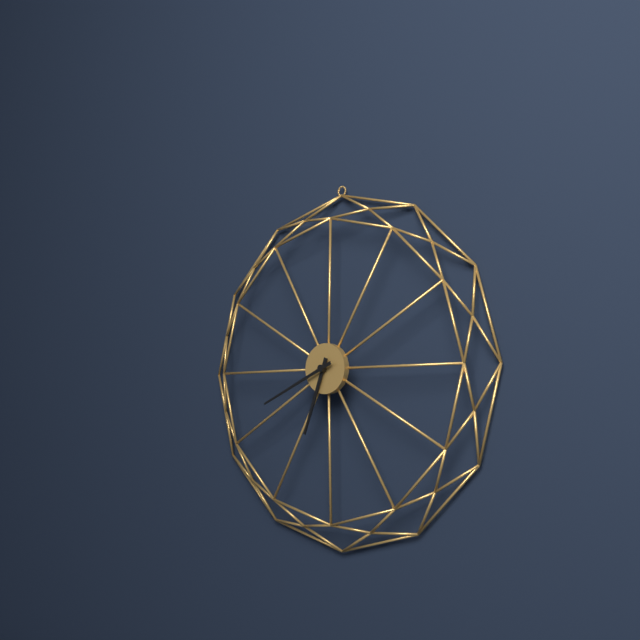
h=6 m=41
